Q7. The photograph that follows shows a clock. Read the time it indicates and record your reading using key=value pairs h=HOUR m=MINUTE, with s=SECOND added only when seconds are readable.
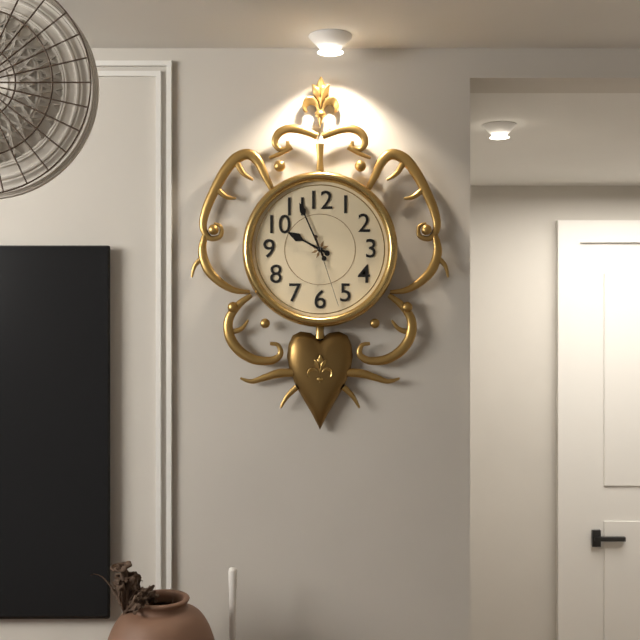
h=9 m=56 s=27
